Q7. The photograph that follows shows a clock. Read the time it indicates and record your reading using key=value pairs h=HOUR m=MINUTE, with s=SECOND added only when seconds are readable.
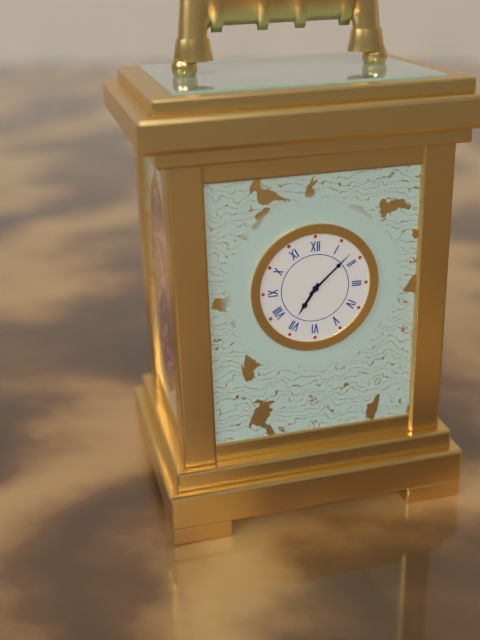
h=7 m=8
